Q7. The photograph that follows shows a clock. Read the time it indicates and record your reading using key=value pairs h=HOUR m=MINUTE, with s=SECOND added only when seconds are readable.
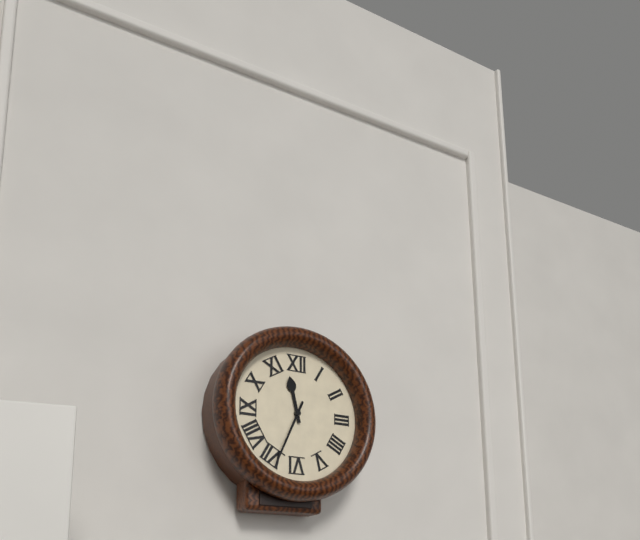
h=11 m=34
